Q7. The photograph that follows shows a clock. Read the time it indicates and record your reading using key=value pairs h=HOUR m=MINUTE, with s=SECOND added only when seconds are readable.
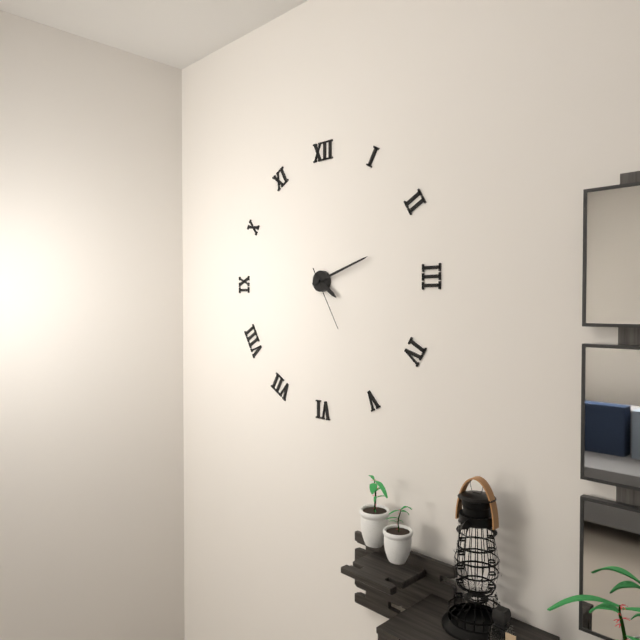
h=4 m=12 s=25
